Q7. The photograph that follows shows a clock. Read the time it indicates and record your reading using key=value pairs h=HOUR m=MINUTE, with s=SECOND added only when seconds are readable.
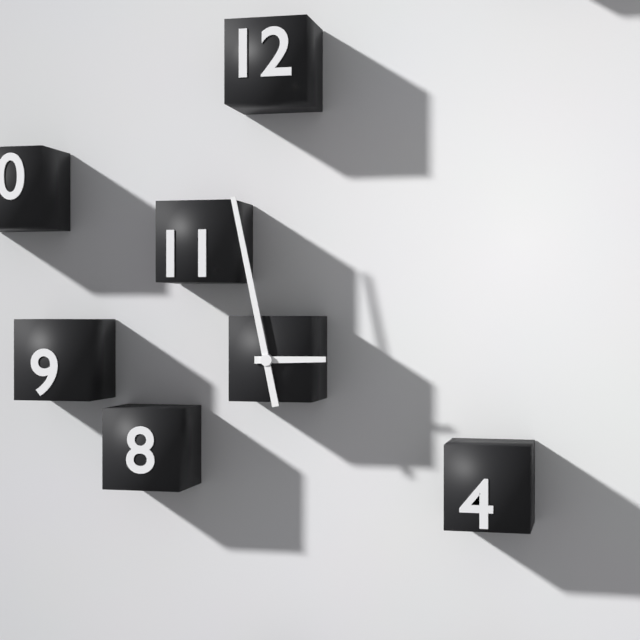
h=2 m=58
